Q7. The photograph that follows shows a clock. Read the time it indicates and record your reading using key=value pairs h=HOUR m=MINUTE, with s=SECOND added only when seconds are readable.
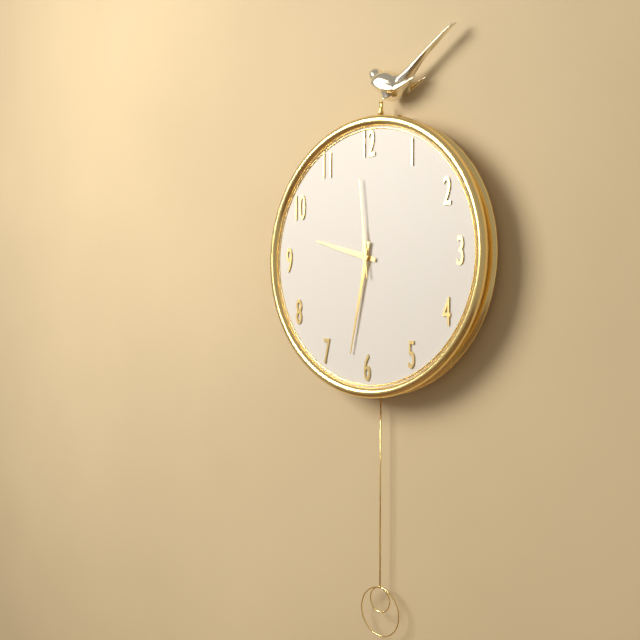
h=9 m=32 s=59
